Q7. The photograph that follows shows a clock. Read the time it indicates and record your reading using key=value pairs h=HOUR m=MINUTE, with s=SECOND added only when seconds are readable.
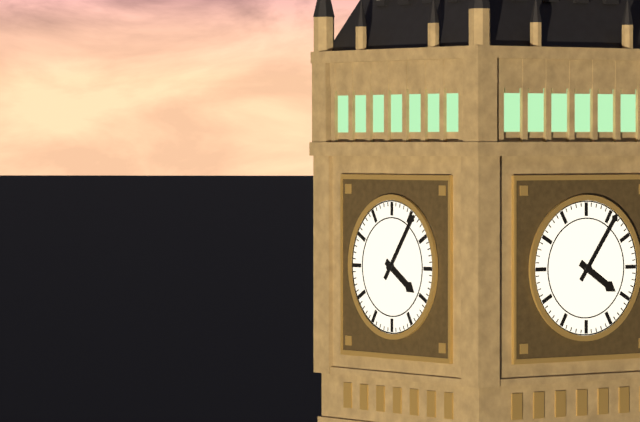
h=4 m=6
